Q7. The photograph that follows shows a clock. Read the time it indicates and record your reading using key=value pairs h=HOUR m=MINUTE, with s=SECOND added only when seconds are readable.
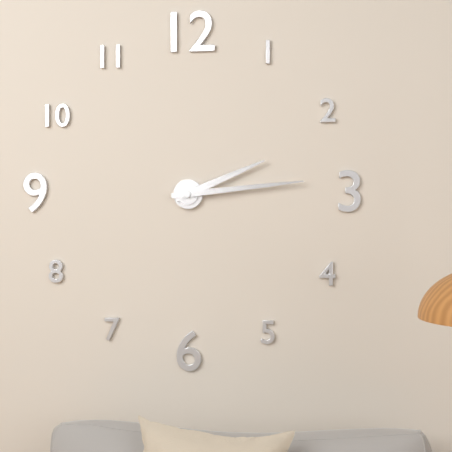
h=2 m=14
